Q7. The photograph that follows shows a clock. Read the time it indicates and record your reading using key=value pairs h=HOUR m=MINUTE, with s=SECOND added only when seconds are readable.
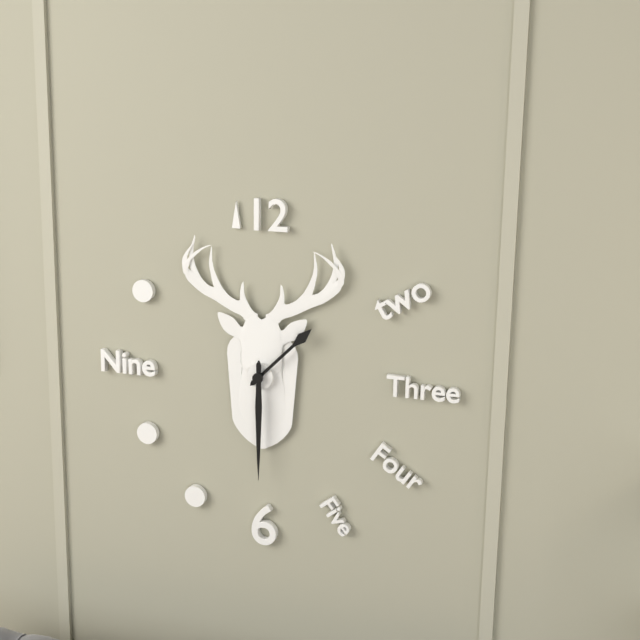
h=1 m=30
